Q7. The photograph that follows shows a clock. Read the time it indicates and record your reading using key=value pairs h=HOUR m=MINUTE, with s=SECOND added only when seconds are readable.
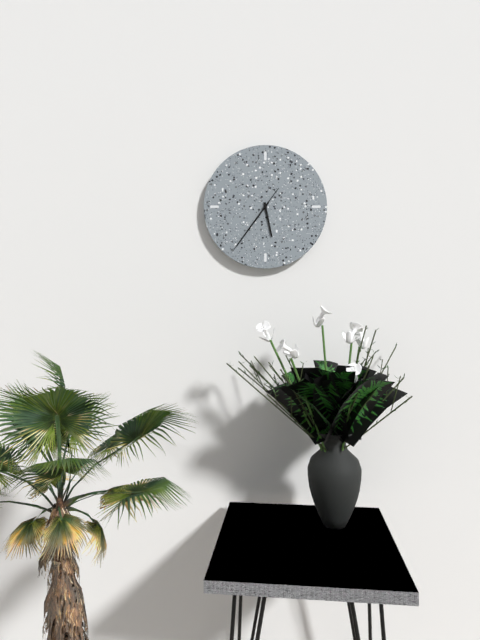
h=5 m=36 s=36
